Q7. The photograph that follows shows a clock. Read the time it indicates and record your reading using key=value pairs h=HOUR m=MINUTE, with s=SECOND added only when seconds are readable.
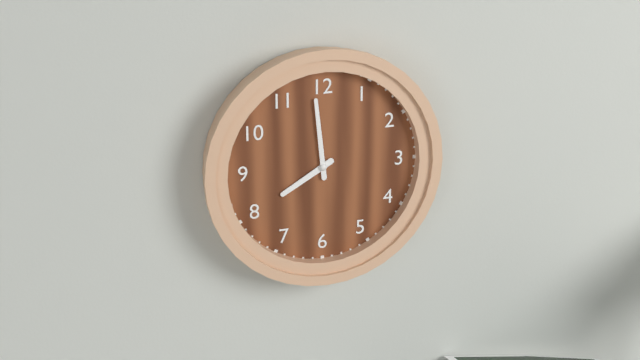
h=7 m=59
